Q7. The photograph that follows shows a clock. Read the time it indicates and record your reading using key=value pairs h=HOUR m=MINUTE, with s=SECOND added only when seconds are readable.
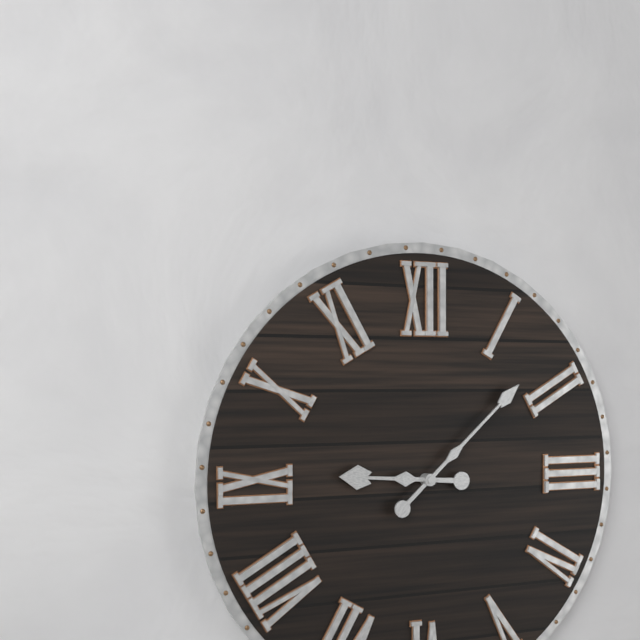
h=9 m=8
